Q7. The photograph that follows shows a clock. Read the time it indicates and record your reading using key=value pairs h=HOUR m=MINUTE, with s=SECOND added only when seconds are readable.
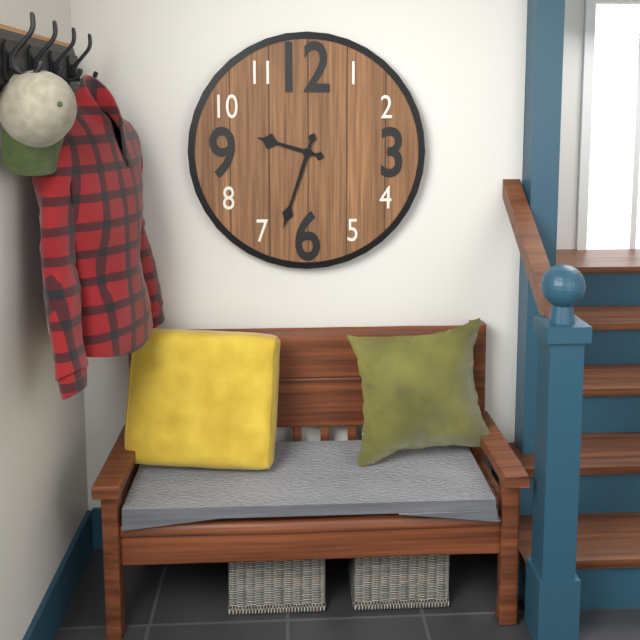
h=9 m=33
